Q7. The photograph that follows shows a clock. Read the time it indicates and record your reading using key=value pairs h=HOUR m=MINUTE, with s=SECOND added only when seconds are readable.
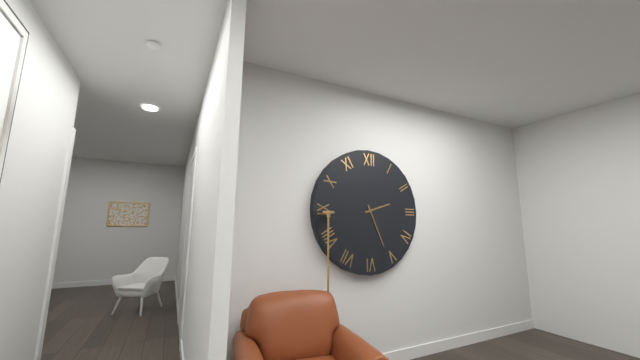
h=2 m=26
